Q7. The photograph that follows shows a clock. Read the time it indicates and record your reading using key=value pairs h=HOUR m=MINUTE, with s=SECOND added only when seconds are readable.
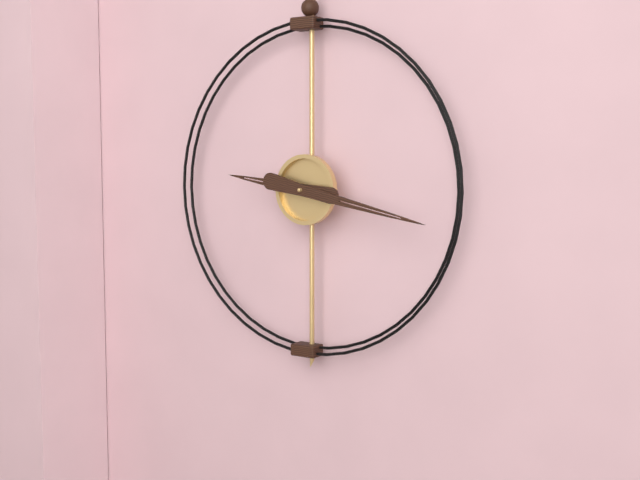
h=9 m=17
